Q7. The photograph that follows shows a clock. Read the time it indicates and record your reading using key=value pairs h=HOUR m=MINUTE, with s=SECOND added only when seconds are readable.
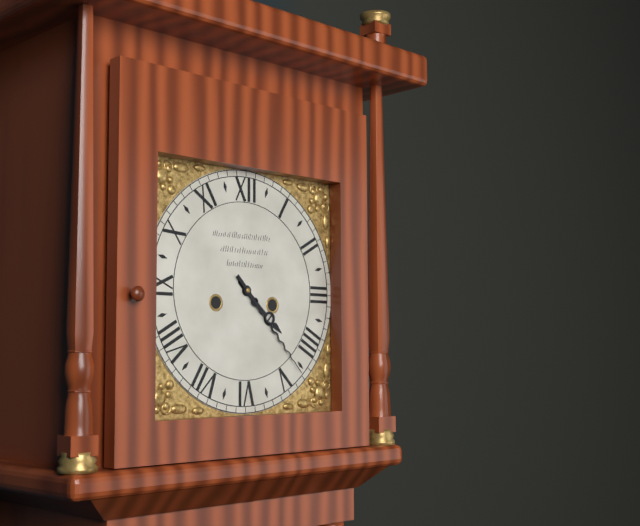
h=4 m=23
